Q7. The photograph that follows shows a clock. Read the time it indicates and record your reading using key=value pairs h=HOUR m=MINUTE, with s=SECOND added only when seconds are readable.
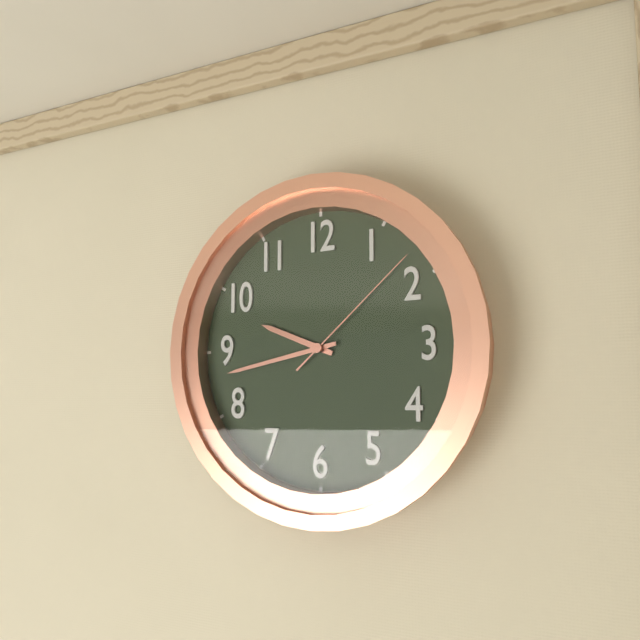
h=9 m=43 s=8
